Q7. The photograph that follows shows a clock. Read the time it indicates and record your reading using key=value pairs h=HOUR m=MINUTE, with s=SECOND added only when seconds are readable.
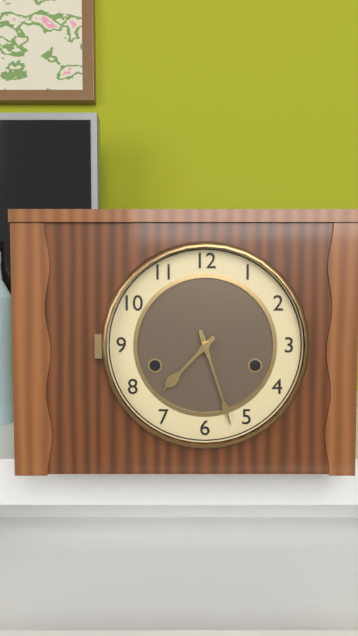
h=7 m=27
